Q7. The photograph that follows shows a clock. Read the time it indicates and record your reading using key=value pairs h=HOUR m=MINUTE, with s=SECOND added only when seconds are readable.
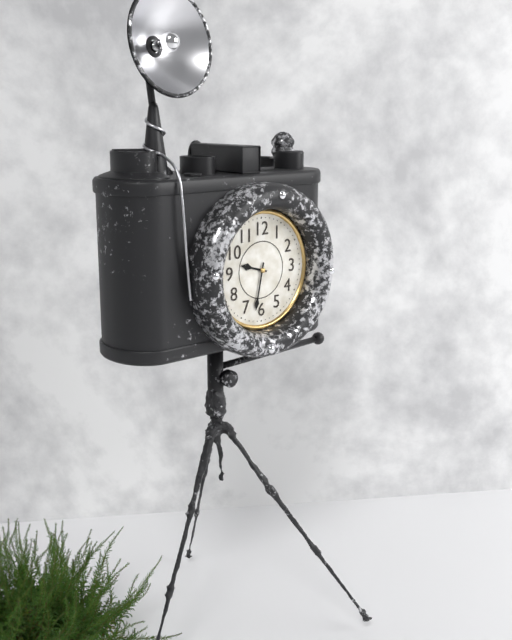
h=9 m=32
